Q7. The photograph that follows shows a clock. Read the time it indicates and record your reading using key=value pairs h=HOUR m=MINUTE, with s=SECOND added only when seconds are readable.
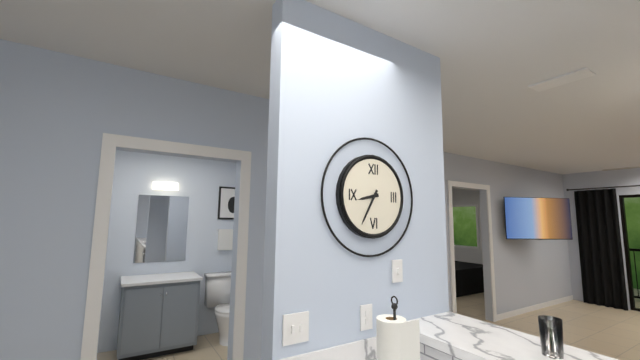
h=8 m=35
